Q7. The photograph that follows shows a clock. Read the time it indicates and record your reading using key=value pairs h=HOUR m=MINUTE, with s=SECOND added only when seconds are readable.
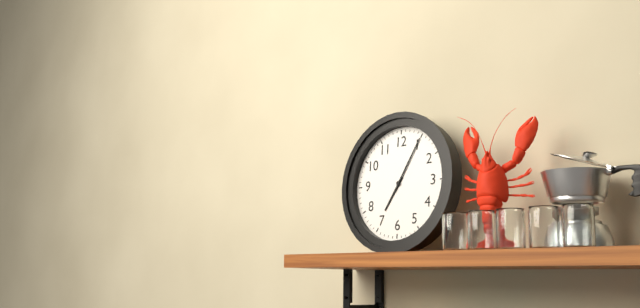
h=7 m=5
